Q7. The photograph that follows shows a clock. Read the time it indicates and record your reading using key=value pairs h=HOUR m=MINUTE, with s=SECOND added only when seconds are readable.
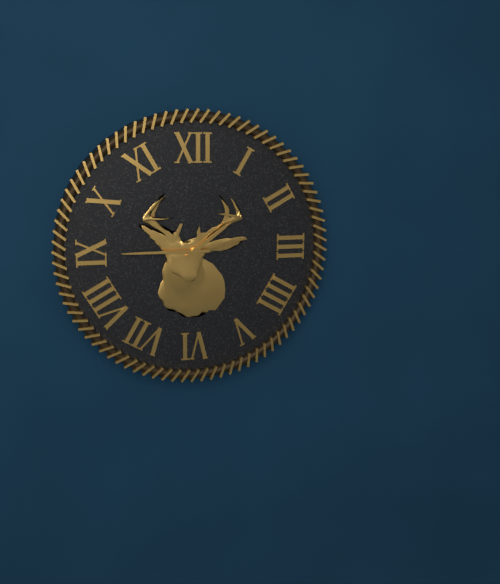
h=1 m=45
